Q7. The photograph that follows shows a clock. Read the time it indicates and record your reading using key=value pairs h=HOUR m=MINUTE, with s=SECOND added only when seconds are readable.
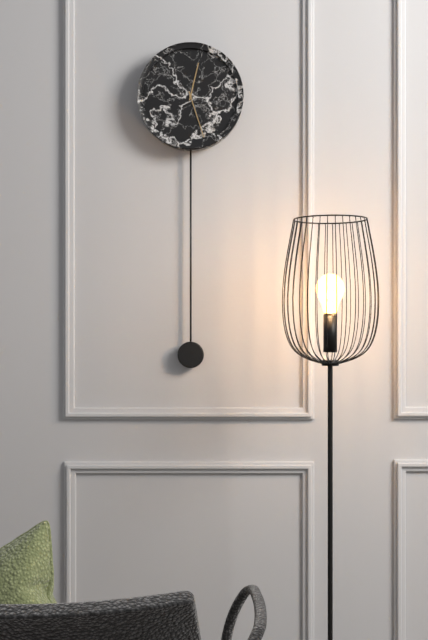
h=12 m=27
